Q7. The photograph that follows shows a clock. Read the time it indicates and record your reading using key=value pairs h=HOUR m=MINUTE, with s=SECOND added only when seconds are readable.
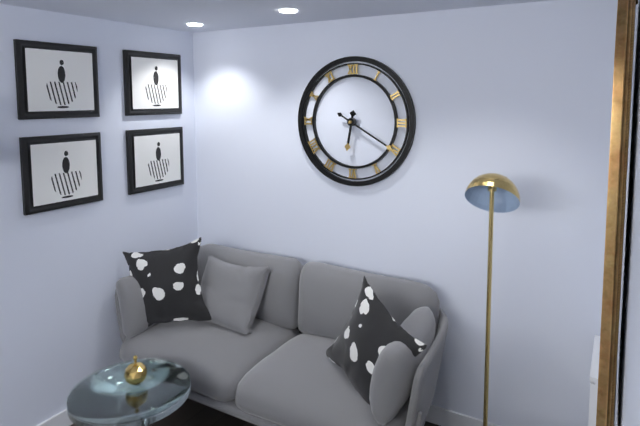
h=6 m=20
